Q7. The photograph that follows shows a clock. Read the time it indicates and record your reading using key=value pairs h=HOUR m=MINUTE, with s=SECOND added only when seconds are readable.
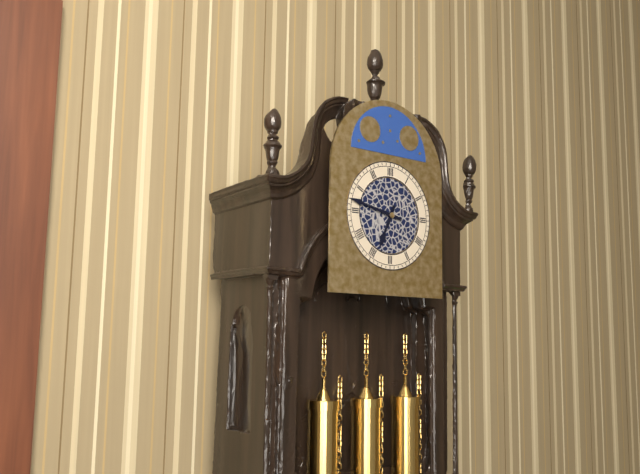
h=6 m=47
